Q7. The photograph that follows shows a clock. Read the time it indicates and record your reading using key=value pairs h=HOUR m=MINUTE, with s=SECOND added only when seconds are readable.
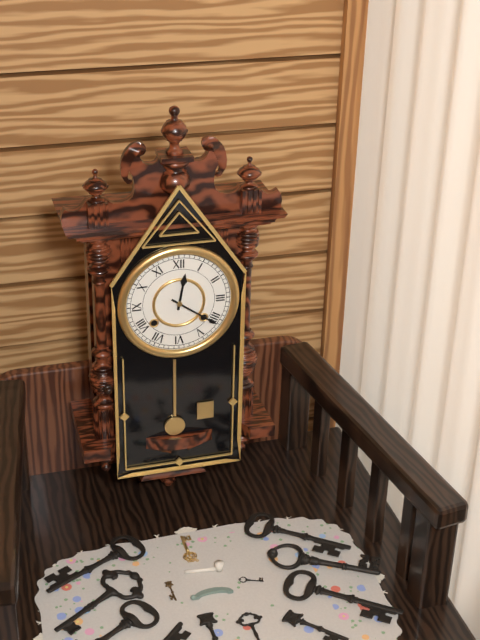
h=12 m=21
